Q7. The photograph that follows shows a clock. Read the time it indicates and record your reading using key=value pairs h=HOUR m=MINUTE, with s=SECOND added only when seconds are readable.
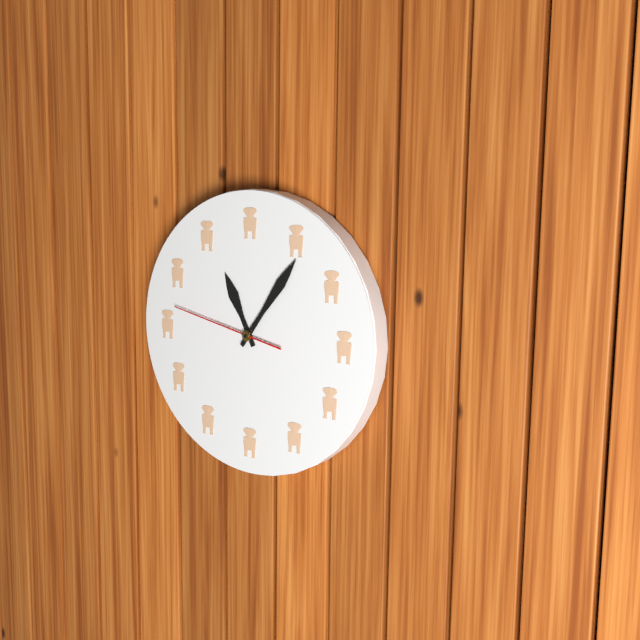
h=11 m=6 s=47
